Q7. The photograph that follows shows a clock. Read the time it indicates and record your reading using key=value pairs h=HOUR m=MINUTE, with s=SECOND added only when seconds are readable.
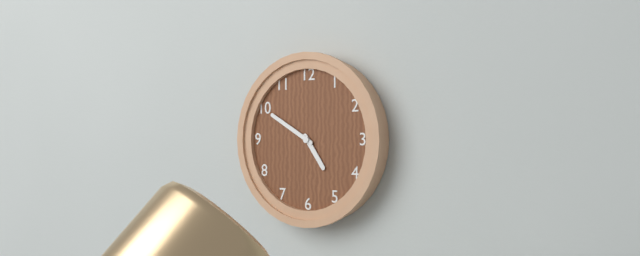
h=4 m=50
